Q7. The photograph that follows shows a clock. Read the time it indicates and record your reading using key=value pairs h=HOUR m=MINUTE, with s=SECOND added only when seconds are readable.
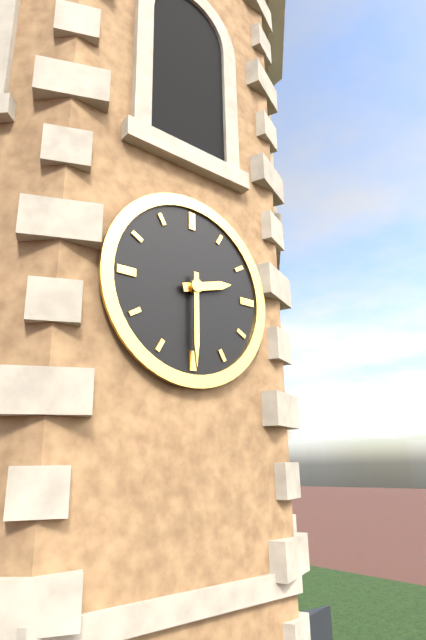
h=2 m=30
